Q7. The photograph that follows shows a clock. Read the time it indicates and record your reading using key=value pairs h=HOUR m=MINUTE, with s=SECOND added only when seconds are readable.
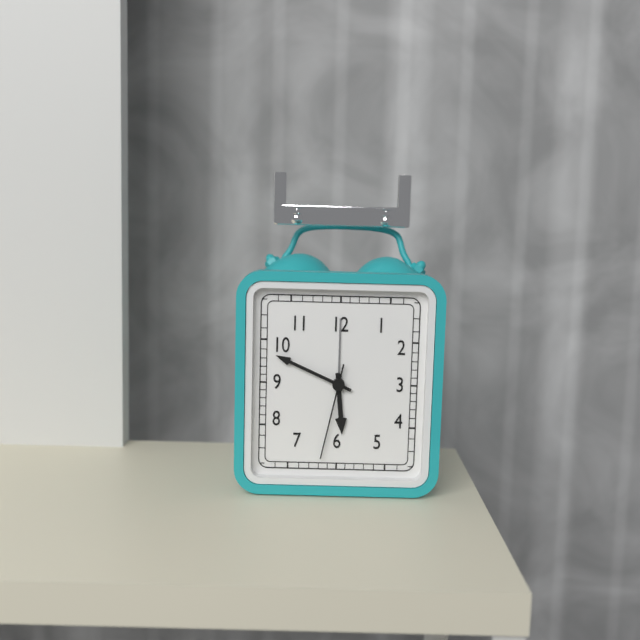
h=5 m=49 s=32
